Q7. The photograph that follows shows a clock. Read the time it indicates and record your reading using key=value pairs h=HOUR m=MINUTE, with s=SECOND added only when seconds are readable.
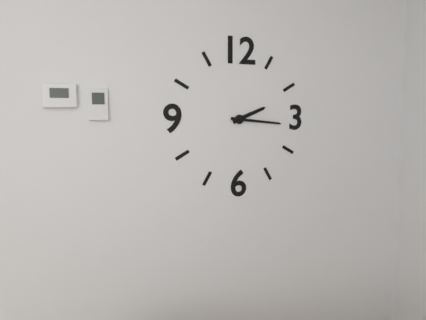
h=2 m=16
